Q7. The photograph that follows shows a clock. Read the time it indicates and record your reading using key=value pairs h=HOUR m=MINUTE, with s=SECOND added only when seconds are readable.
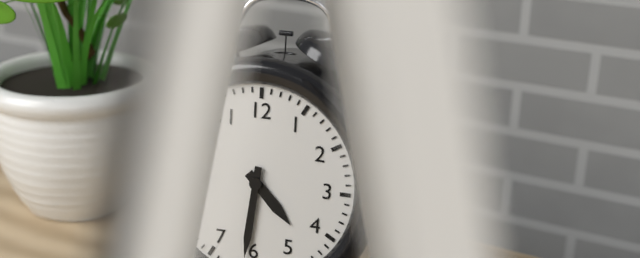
h=4 m=31
